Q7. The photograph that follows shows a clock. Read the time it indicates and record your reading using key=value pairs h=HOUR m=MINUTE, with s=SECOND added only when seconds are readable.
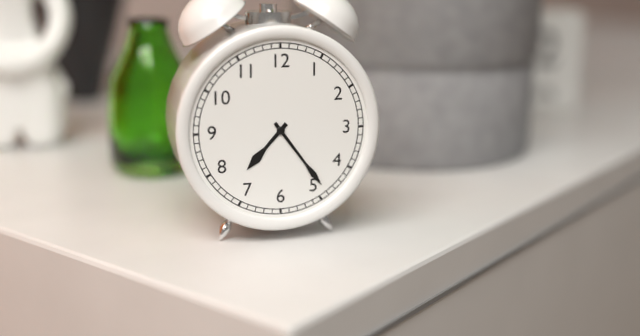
h=7 m=24
